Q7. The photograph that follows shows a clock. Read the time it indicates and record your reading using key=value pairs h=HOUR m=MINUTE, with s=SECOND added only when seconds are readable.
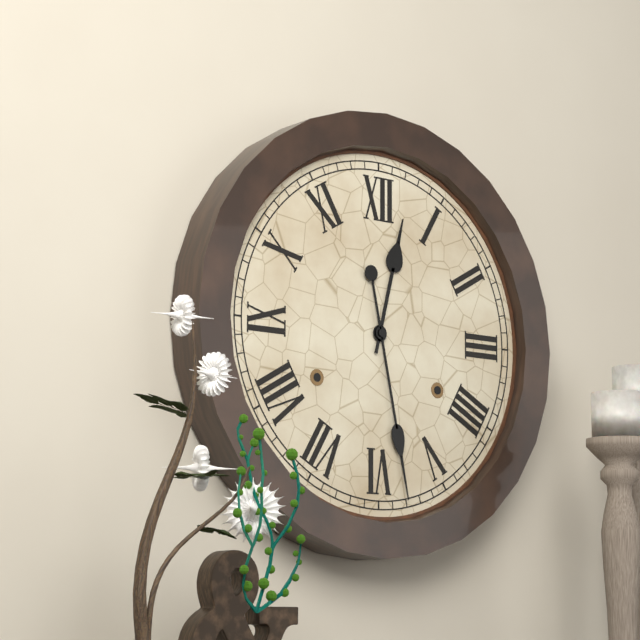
h=12 m=28
